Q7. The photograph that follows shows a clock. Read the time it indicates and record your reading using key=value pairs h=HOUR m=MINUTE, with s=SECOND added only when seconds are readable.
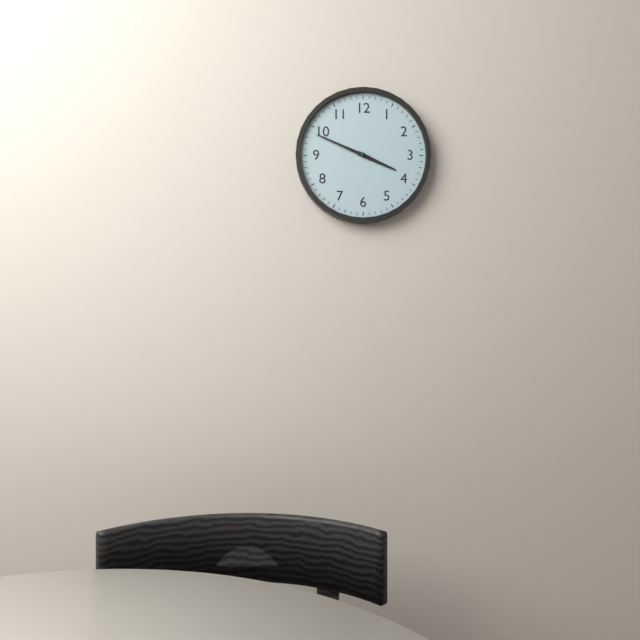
h=3 m=49
